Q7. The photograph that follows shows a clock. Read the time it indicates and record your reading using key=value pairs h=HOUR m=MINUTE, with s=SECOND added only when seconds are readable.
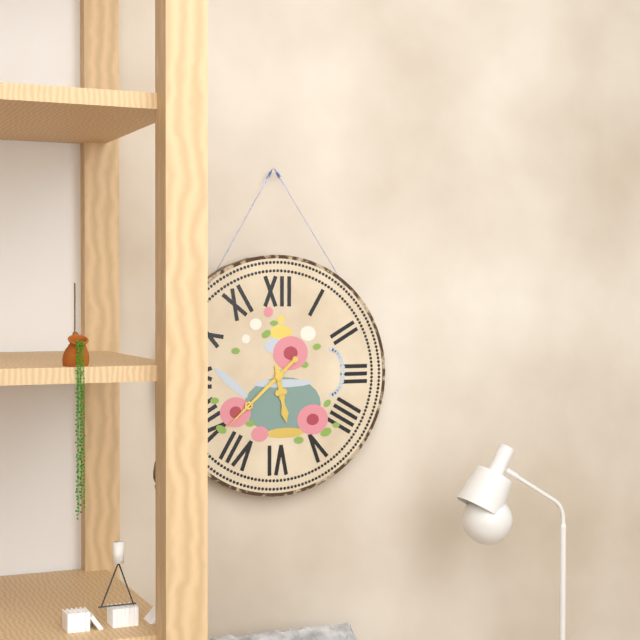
h=5 m=38
